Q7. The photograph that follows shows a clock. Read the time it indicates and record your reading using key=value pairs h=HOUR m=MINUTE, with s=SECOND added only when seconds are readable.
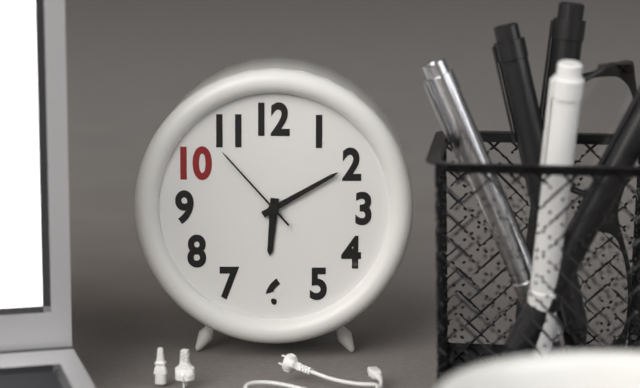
h=6 m=10 s=53
